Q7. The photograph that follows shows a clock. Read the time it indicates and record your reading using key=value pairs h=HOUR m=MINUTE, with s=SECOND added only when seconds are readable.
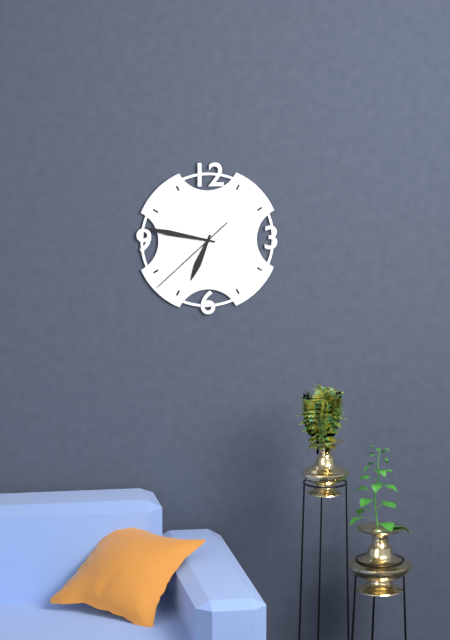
h=6 m=47 s=38
